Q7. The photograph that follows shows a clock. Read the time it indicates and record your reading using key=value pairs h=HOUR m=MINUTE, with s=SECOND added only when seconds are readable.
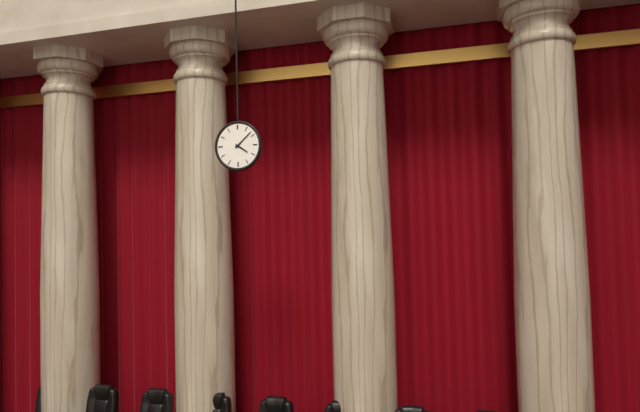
h=4 m=8
